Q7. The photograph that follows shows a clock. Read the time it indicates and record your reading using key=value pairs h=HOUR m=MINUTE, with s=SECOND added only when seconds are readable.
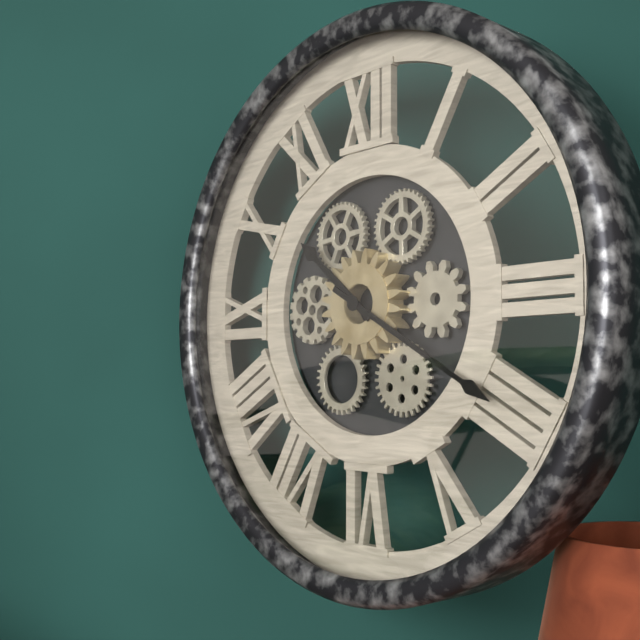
h=10 m=20
